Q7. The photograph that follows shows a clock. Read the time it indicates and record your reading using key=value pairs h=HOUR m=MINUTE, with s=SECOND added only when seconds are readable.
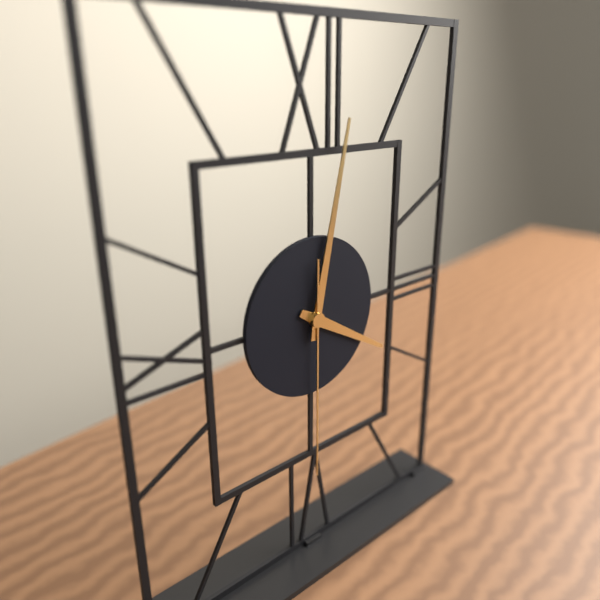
h=4 m=2 s=30
